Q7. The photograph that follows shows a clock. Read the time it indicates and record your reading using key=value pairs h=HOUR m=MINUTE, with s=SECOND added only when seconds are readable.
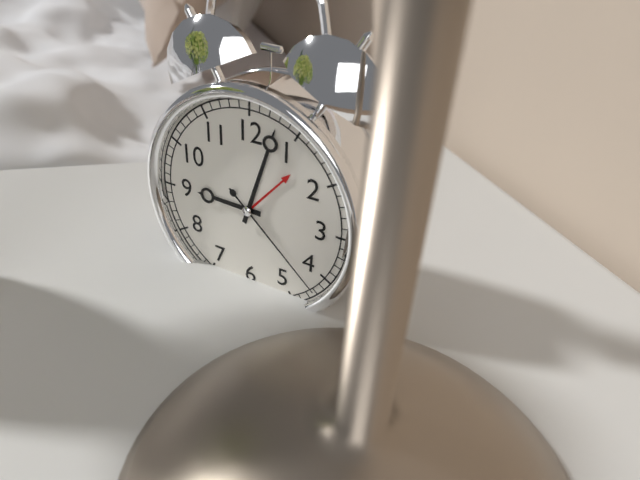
h=9 m=3 s=22
